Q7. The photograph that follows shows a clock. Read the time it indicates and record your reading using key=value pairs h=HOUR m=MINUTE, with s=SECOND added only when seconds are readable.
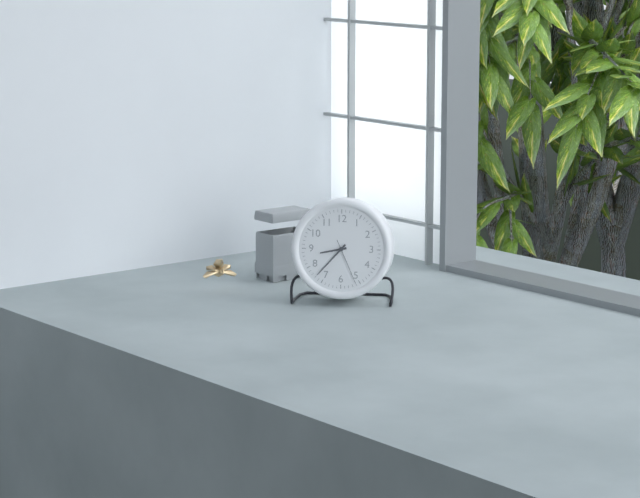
h=8 m=37
